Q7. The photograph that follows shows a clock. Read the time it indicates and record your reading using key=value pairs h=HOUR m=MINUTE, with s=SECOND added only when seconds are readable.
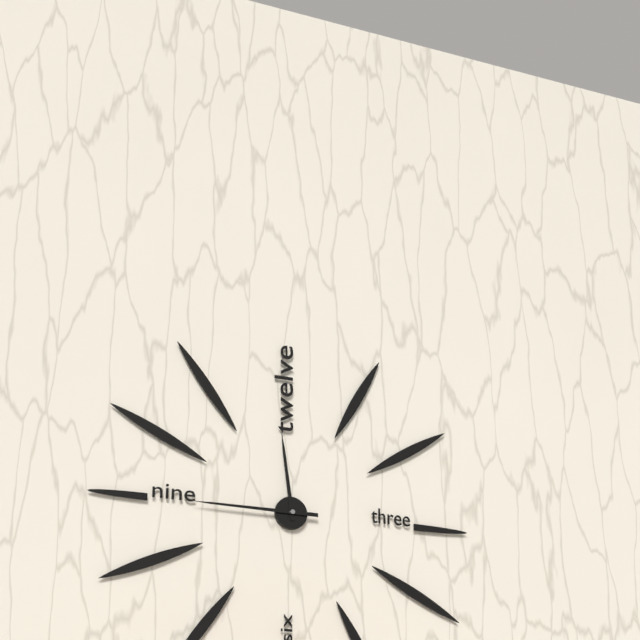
h=11 m=45
